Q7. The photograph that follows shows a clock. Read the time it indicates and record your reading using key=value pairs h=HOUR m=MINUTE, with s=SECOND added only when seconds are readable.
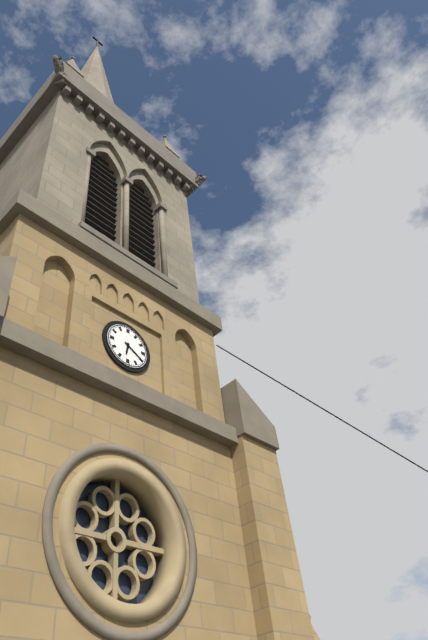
h=6 m=20
